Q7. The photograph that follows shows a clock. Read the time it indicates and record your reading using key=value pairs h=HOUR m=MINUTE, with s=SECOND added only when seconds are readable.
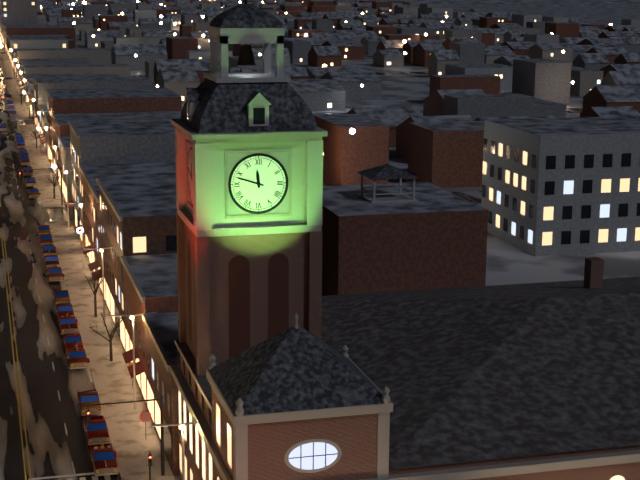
h=11 m=48
